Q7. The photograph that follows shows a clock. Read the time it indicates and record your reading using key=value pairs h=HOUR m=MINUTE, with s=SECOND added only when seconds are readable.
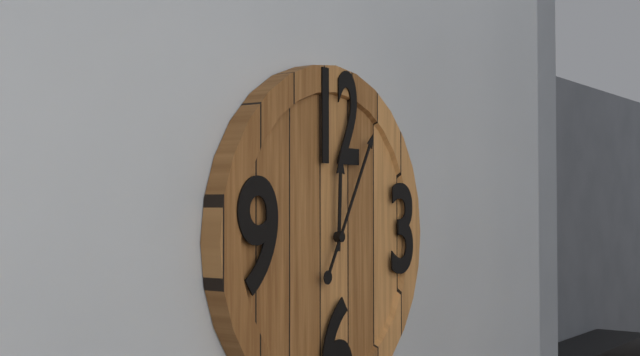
h=12 m=5
